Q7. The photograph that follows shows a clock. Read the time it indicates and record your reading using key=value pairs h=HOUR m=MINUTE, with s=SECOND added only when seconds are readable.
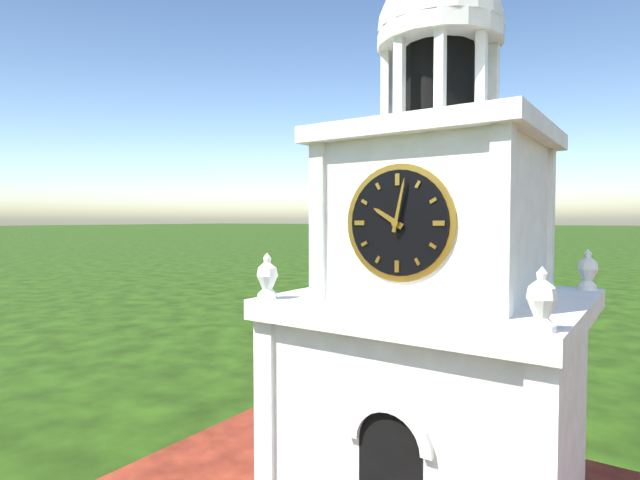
h=10 m=2
